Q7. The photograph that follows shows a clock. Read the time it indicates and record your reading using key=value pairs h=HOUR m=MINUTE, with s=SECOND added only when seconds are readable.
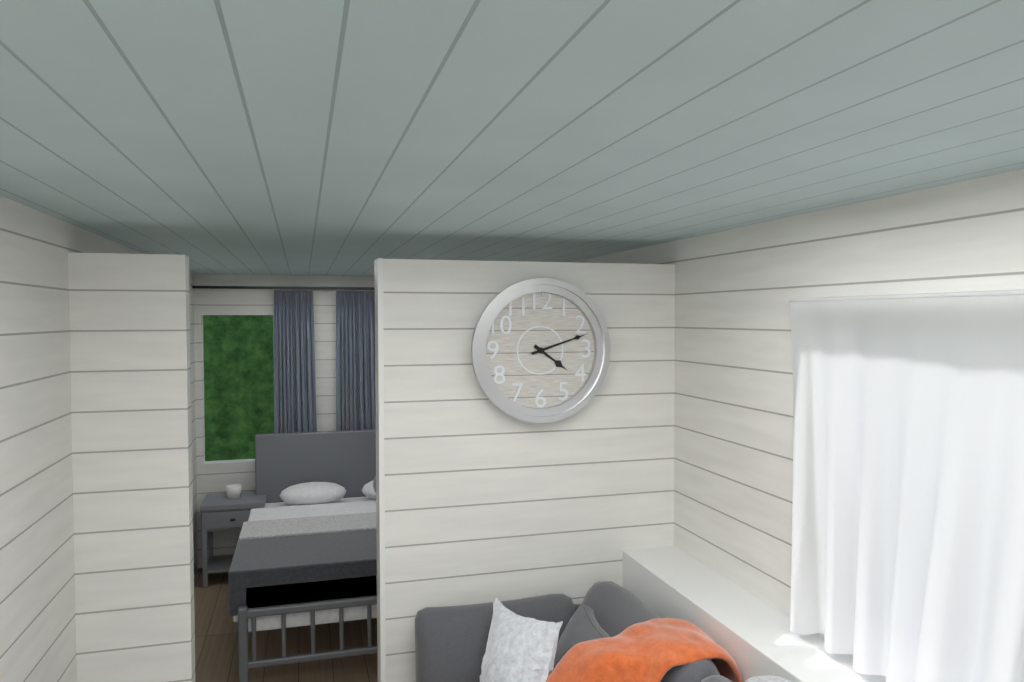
h=4 m=12
